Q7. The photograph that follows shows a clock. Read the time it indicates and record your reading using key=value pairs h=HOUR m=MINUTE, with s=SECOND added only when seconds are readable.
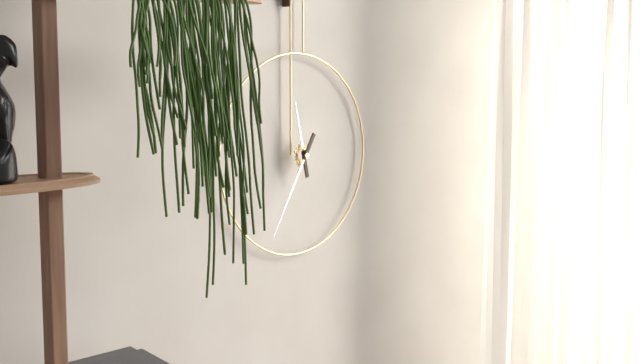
h=11 m=35
